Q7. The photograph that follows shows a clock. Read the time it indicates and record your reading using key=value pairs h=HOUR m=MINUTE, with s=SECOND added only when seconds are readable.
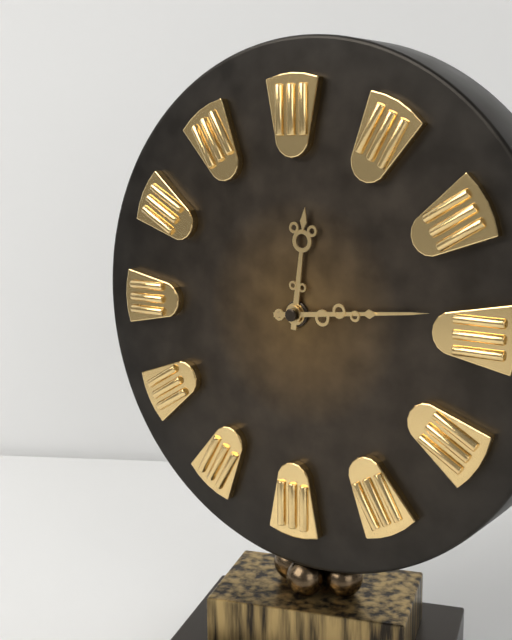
h=12 m=14
